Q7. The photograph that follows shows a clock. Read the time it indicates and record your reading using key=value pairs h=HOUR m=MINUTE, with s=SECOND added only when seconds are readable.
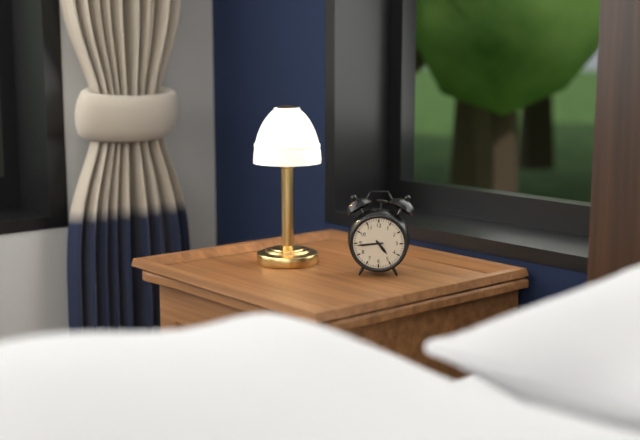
h=4 m=44
